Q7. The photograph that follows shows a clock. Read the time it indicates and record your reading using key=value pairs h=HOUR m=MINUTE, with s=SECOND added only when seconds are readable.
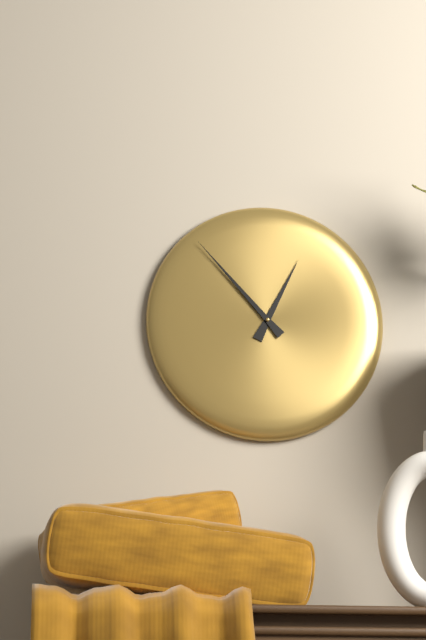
h=12 m=53
